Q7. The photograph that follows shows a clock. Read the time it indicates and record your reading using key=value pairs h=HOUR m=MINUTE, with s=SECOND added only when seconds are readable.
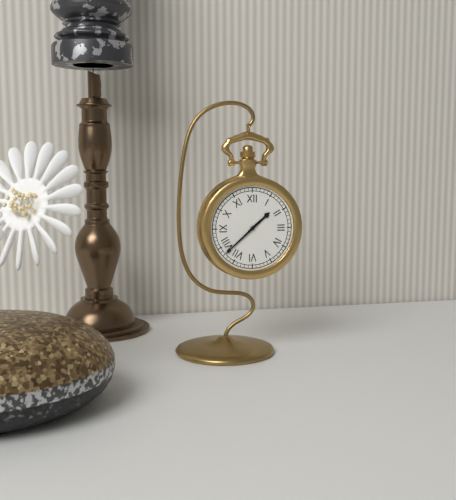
h=1 m=38
